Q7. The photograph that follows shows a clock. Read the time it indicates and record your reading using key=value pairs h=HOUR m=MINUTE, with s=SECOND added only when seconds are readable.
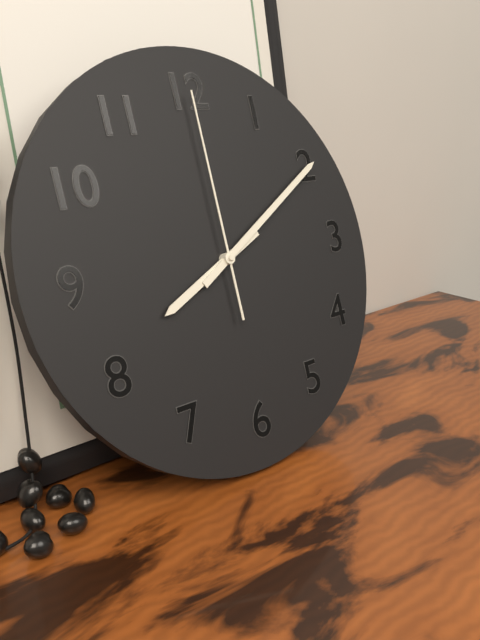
h=8 m=10 s=0
